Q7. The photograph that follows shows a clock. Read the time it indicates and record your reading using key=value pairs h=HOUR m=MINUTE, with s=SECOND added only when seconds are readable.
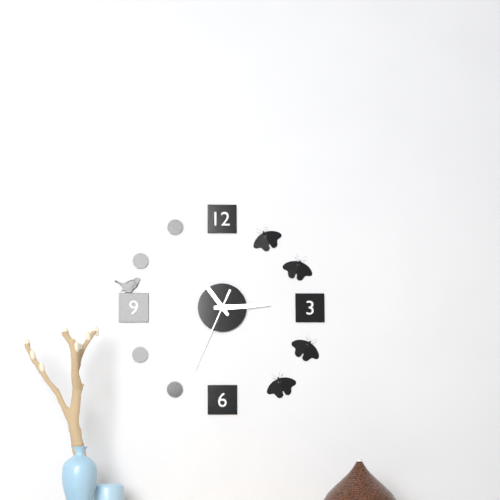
h=2 m=54 s=34
